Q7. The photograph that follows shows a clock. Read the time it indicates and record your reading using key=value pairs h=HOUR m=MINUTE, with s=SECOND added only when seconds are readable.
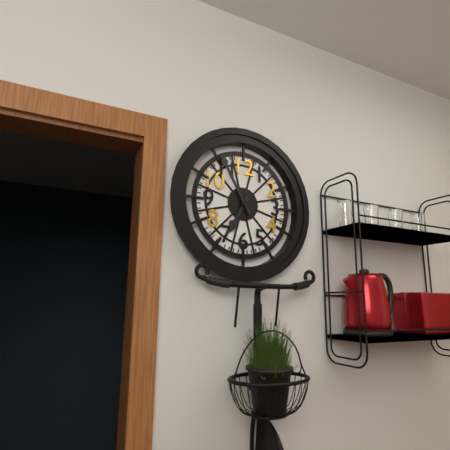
h=6 m=55
